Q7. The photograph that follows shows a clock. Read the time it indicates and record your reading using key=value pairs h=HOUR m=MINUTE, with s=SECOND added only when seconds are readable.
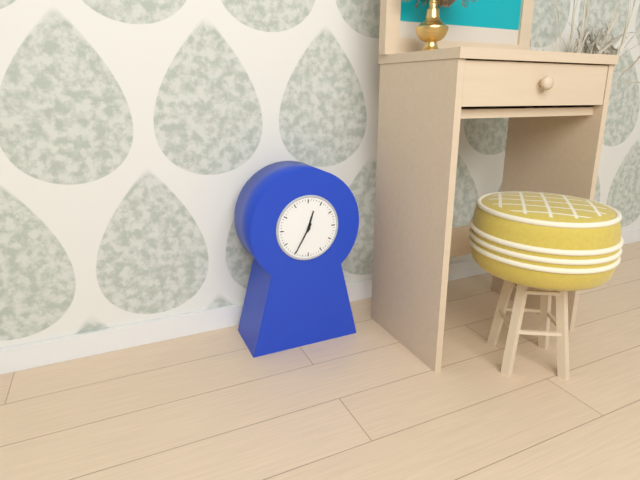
h=12 m=35
